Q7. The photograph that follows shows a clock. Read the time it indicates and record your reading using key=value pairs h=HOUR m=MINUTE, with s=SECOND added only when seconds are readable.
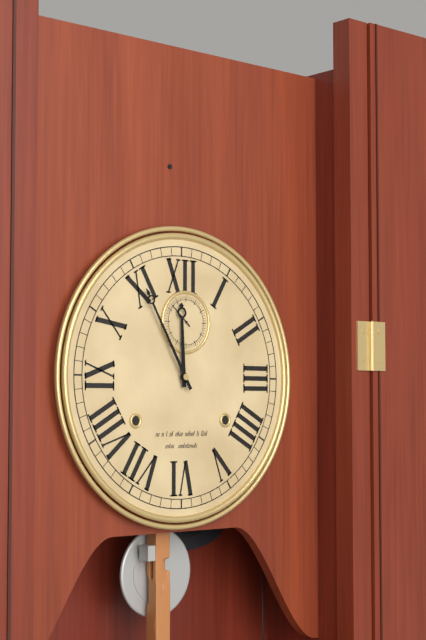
h=11 m=55
